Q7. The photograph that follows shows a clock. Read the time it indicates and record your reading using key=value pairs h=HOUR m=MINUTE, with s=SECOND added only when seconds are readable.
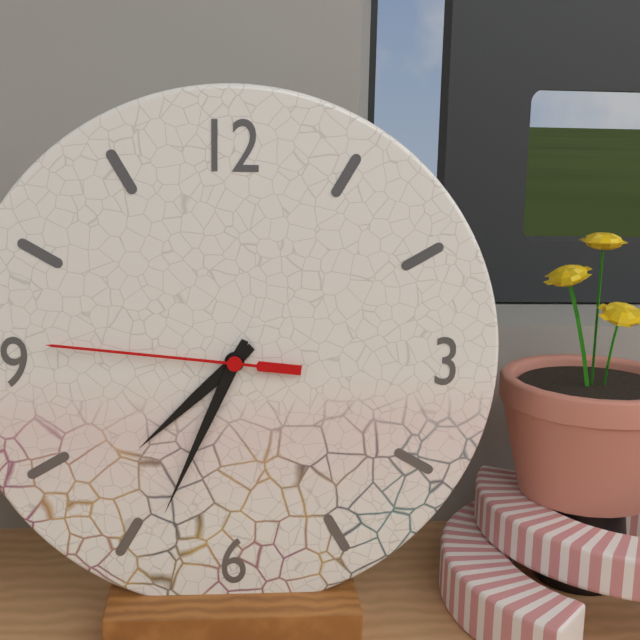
h=7 m=34 s=46
